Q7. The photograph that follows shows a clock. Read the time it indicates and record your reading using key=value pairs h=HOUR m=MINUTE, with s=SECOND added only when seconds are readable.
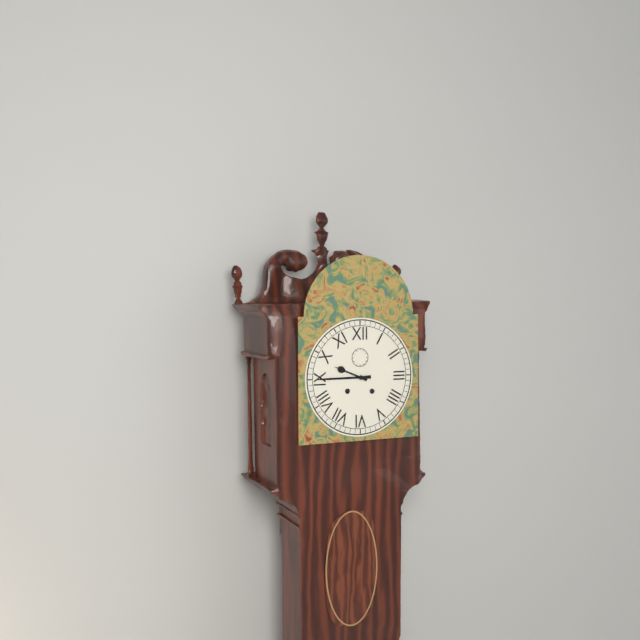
h=9 m=45
